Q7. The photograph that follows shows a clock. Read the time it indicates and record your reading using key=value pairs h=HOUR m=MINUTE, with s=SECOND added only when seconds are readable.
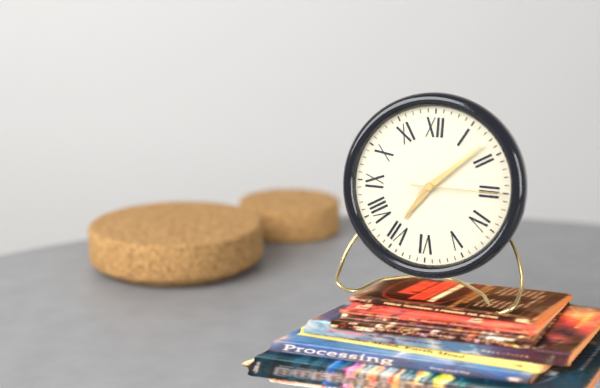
h=7 m=8 s=15
